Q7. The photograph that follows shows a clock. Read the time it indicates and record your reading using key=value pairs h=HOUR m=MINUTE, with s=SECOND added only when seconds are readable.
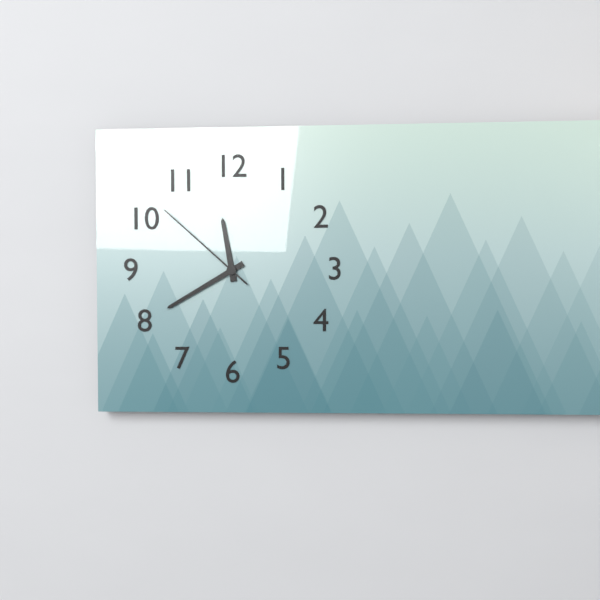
h=11 m=40 s=52
